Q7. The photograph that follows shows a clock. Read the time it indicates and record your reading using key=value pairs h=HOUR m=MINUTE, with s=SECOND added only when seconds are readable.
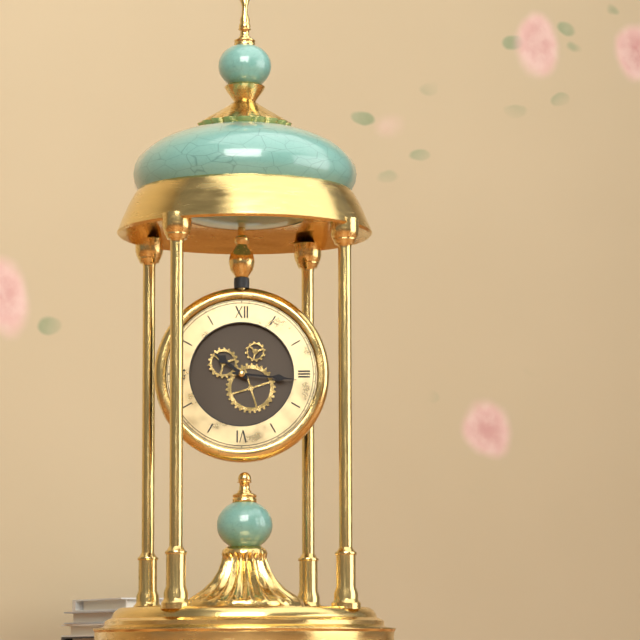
h=10 m=16
